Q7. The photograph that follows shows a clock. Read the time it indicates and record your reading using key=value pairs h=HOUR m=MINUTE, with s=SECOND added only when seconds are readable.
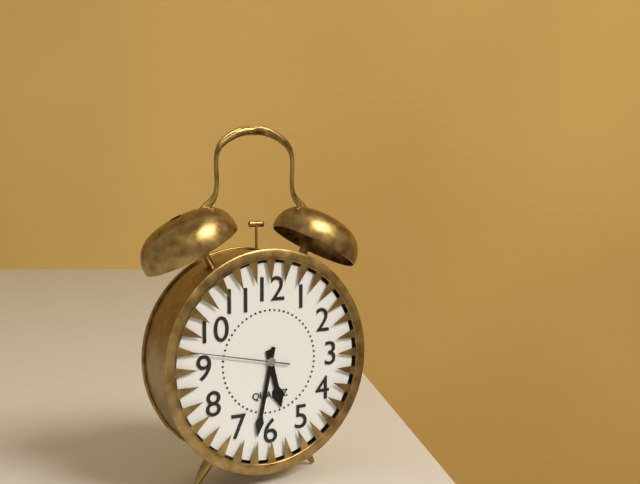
h=5 m=32 s=47
